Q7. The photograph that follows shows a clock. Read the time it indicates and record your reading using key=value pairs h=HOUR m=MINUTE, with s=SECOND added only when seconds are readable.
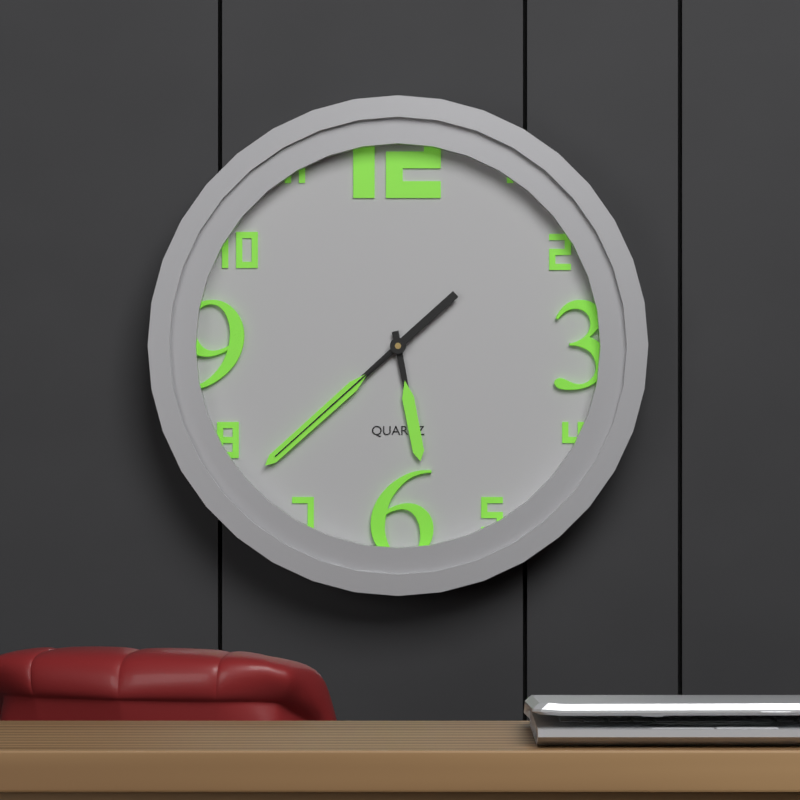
h=5 m=38 s=38
